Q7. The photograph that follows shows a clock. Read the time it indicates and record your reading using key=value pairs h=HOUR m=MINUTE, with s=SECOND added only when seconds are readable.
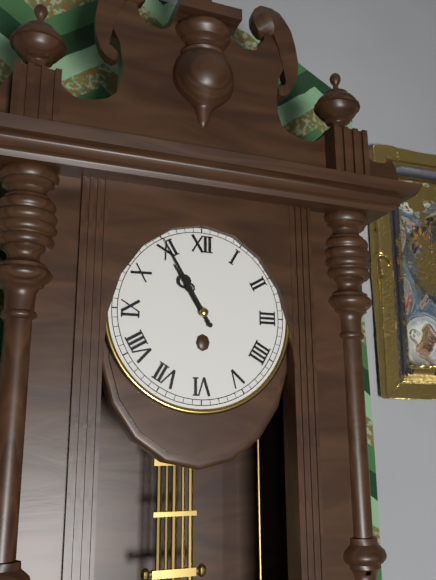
h=10 m=55
